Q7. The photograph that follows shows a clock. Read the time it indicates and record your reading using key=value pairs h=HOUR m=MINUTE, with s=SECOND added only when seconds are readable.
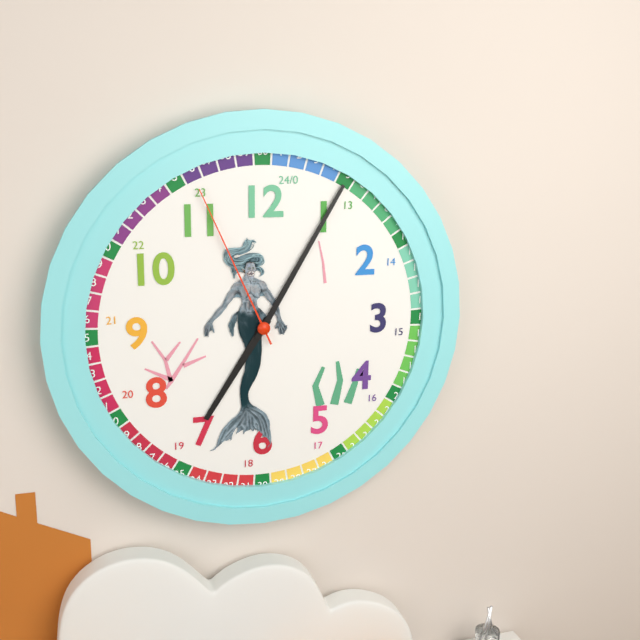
h=7 m=5 s=56
